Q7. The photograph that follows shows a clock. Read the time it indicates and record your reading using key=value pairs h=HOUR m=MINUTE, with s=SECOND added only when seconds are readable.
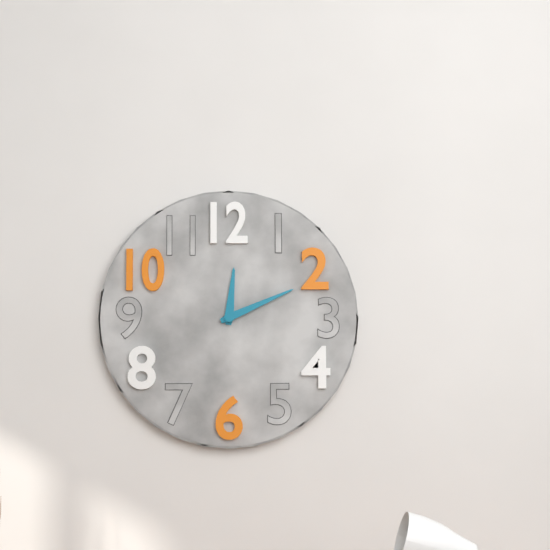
h=12 m=11
